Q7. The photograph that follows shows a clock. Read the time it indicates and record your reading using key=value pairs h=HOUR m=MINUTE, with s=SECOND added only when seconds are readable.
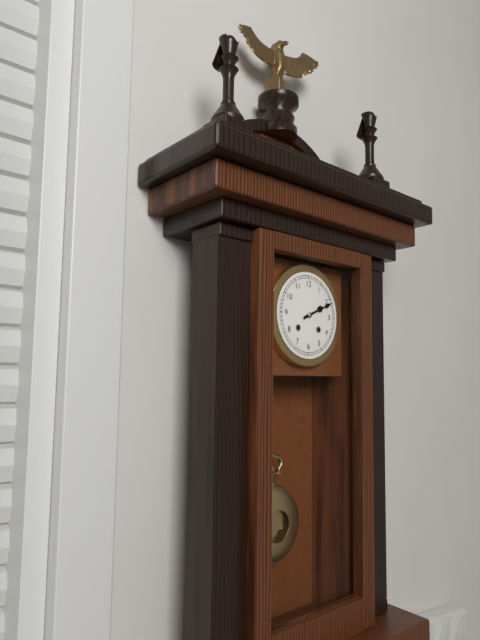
h=2 m=11
